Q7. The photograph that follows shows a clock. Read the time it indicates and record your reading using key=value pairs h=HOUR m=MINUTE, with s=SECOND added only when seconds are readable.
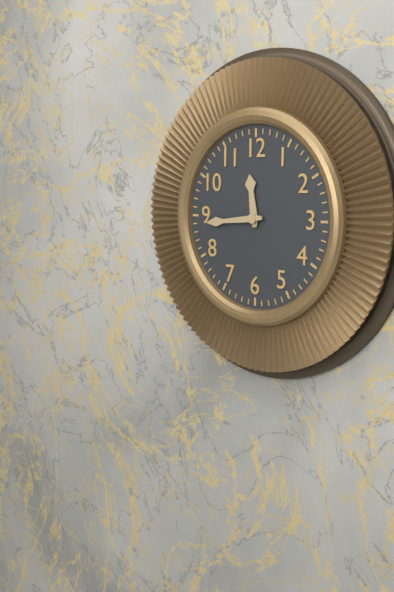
h=11 m=44
